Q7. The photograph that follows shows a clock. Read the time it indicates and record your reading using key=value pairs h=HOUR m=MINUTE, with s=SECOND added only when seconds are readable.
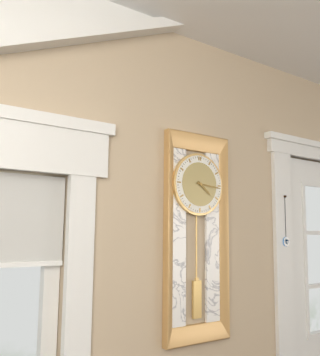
h=4 m=16
